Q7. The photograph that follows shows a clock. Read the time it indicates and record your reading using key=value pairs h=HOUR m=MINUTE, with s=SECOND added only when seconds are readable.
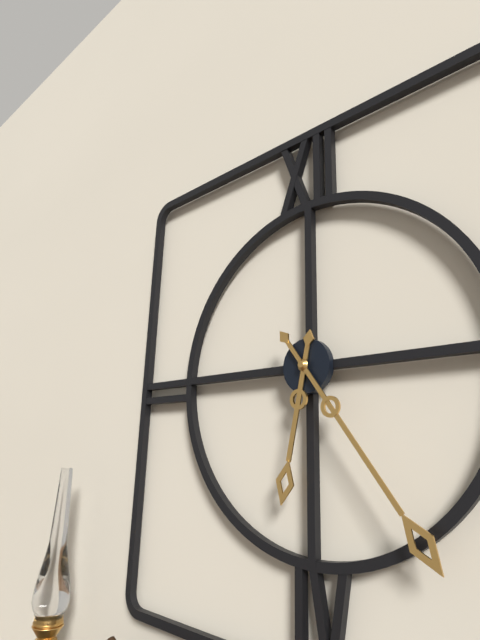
h=6 m=24
